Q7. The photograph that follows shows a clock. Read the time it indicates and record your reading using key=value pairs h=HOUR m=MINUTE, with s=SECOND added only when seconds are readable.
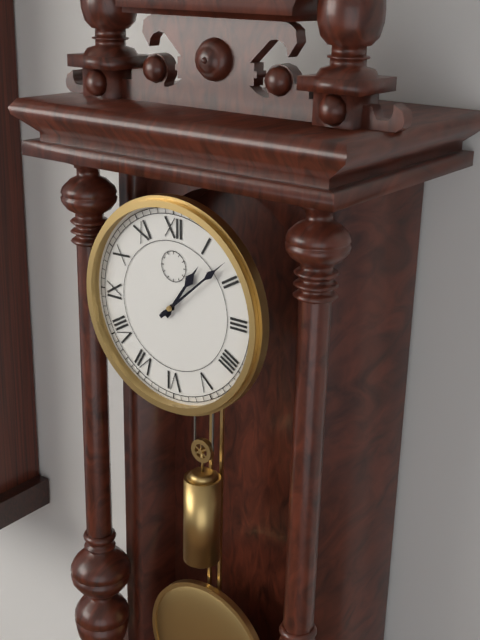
h=1 m=8
